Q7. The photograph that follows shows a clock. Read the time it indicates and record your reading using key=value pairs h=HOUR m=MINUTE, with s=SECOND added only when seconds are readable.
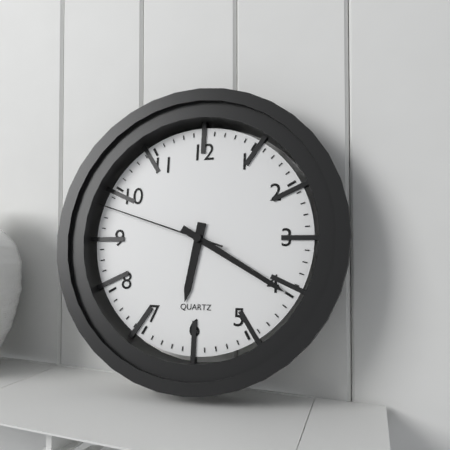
h=6 m=20 s=48
